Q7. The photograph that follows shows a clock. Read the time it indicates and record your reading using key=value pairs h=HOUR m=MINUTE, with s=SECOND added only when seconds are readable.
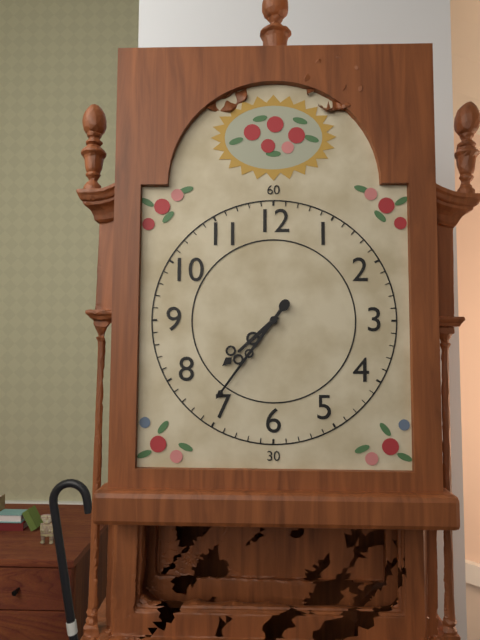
h=7 m=36
